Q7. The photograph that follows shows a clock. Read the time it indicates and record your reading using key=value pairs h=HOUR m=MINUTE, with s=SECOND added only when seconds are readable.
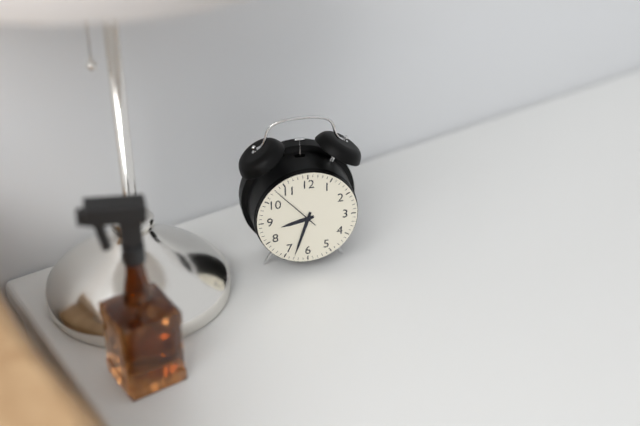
h=8 m=33 s=53
